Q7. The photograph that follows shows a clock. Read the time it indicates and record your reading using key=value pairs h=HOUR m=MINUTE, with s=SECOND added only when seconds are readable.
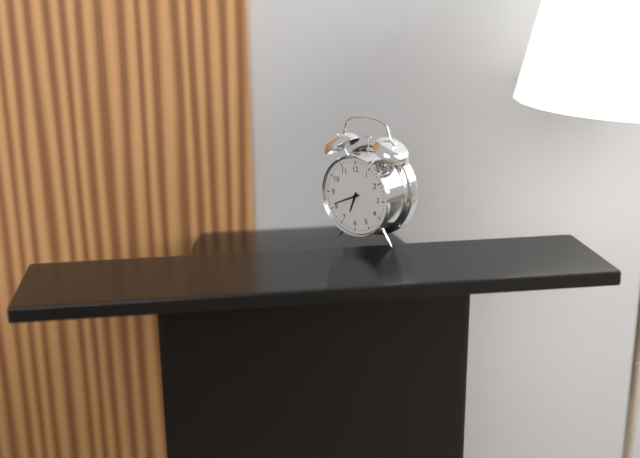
h=6 m=41
